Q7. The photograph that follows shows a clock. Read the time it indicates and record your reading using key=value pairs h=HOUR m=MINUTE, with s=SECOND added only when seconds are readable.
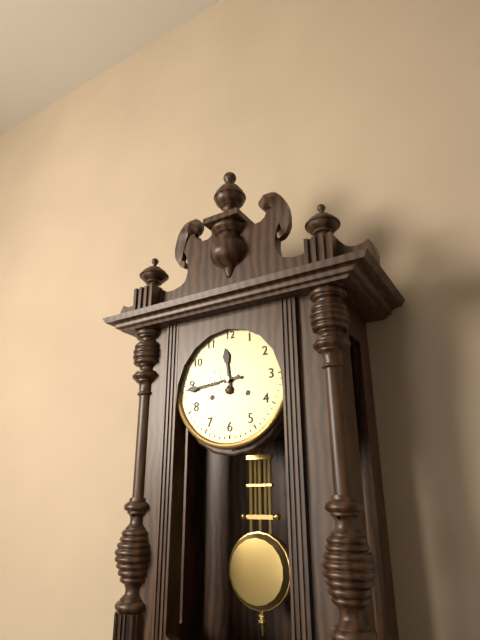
h=11 m=44
